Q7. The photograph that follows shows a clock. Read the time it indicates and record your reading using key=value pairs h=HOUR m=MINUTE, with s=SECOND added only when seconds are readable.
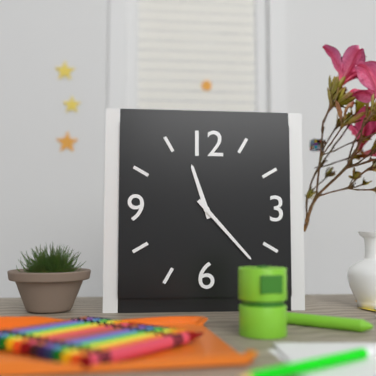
h=11 m=23
